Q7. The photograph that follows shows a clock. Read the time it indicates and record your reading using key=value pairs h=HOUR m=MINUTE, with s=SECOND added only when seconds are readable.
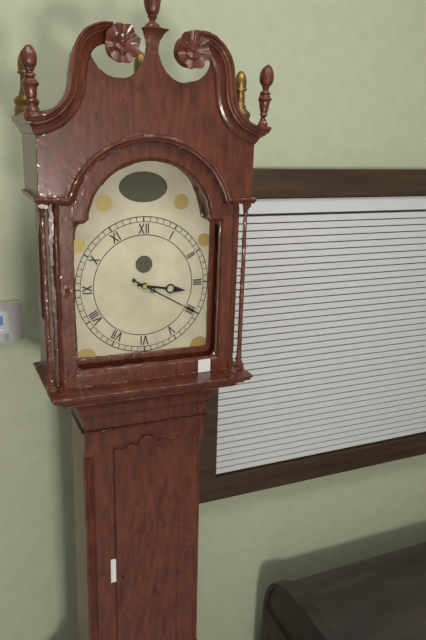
h=3 m=20
